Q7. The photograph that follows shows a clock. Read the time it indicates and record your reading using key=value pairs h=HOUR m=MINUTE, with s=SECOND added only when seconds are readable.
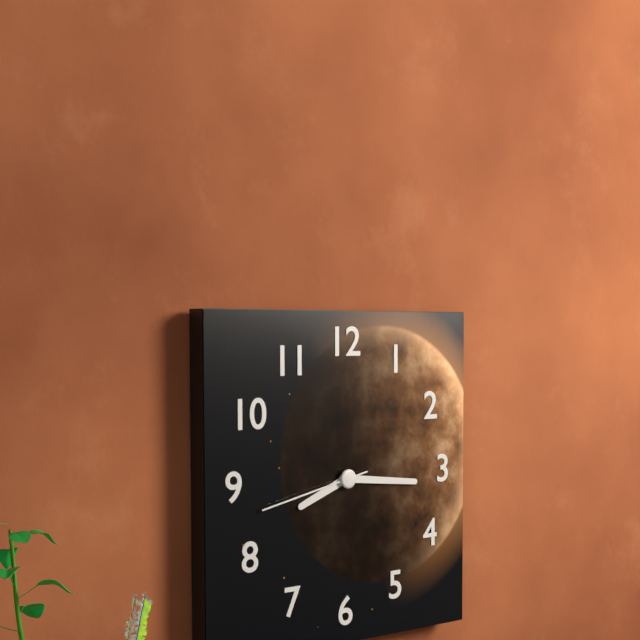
h=8 m=16 s=43
